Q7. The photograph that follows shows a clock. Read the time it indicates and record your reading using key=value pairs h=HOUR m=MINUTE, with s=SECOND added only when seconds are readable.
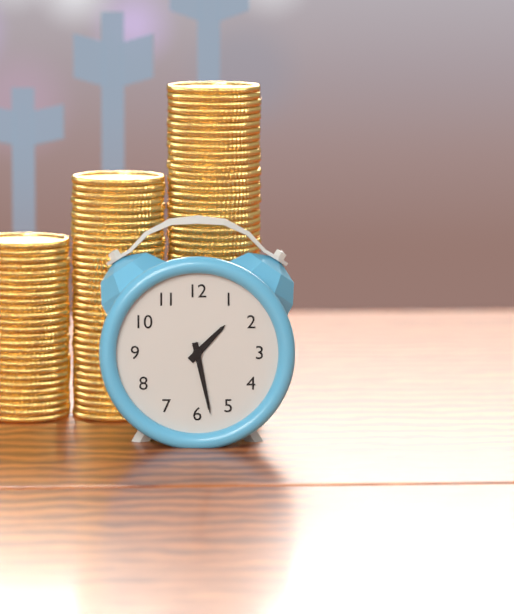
h=1 m=28
